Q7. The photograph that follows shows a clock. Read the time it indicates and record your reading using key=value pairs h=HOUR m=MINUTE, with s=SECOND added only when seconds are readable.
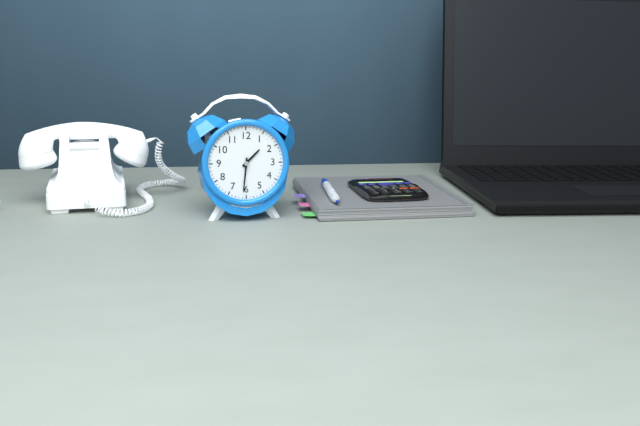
h=1 m=31
